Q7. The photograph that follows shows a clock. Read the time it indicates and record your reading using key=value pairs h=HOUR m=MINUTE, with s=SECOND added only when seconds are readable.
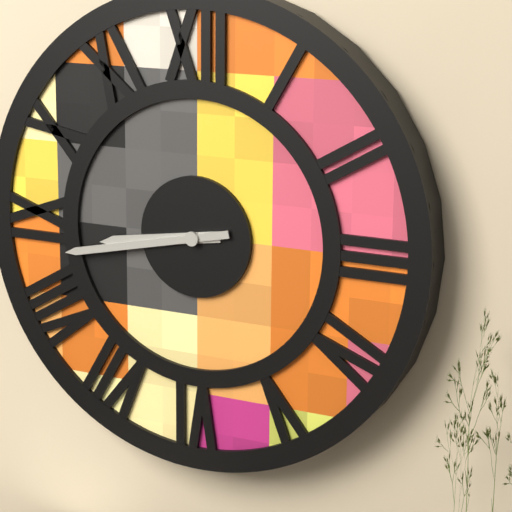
h=8 m=43
